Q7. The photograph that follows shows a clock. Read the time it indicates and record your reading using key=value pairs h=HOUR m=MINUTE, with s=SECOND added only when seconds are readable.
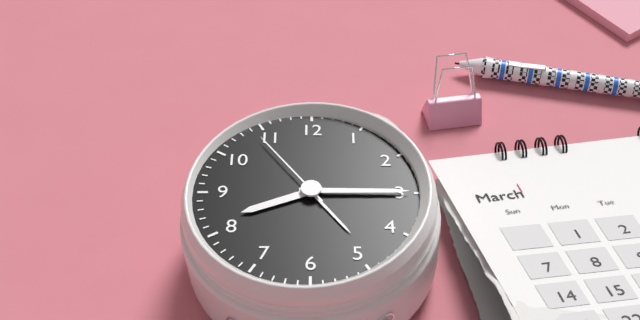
h=8 m=15 s=54
